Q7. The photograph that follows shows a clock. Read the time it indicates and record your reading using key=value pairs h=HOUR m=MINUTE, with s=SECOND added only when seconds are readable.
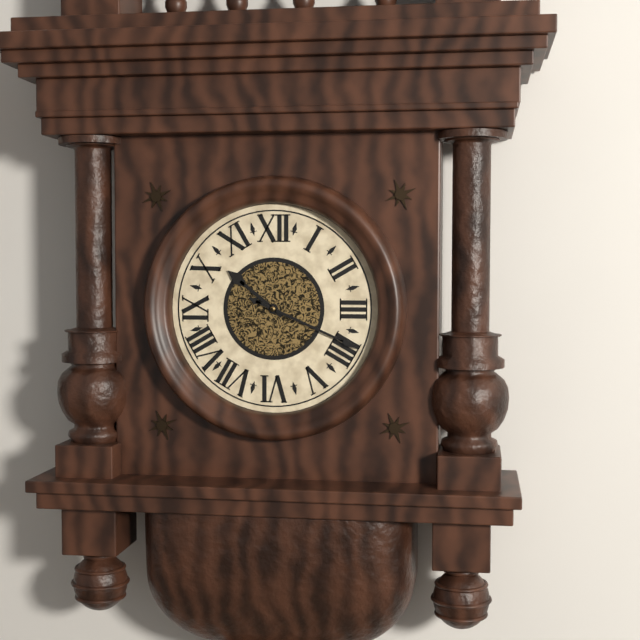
h=10 m=19
